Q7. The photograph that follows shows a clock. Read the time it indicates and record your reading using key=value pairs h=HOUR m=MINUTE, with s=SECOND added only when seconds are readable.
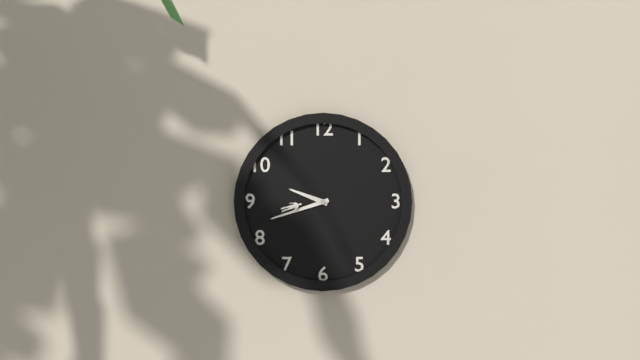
h=9 m=42
